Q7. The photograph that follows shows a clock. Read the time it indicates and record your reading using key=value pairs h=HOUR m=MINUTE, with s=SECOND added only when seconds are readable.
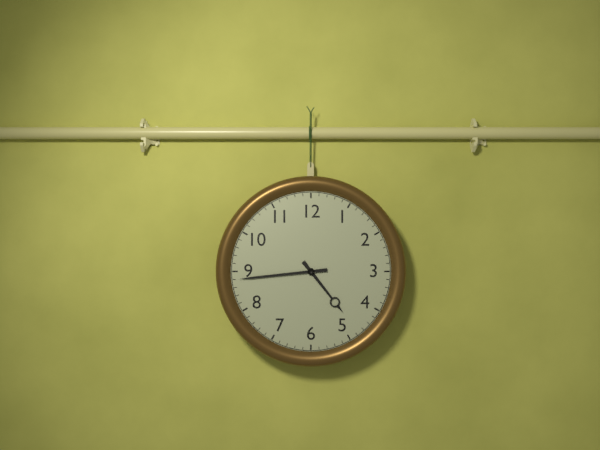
h=4 m=44
